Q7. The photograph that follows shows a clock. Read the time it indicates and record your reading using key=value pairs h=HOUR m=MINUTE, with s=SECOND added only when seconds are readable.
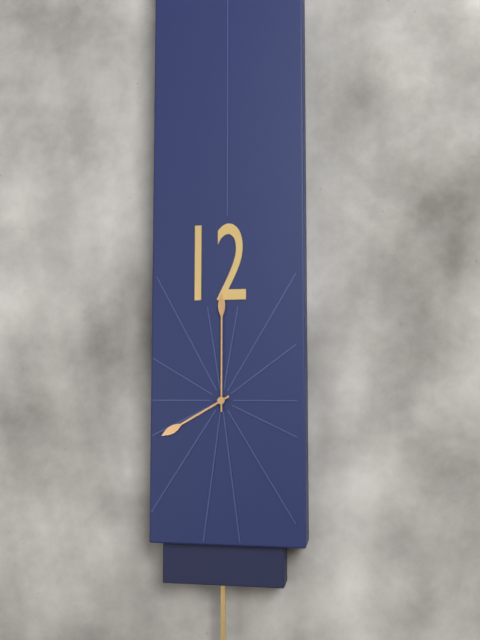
h=8 m=0
